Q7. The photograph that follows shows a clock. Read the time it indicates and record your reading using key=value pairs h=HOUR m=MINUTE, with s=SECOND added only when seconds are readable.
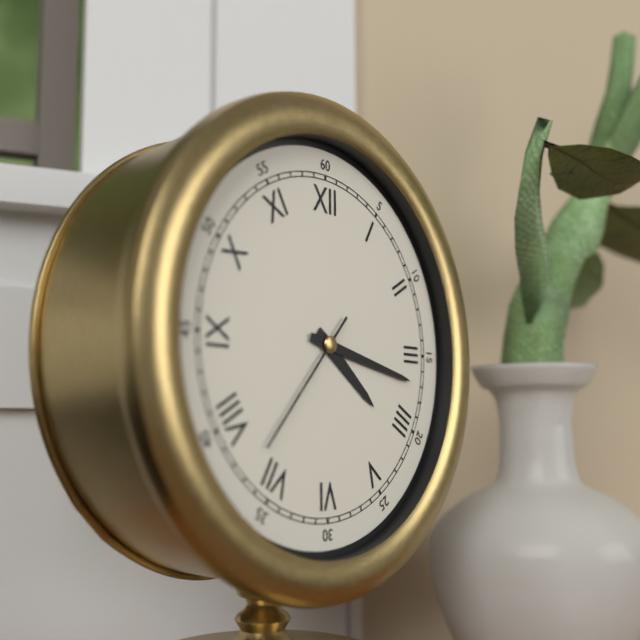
h=4 m=17 s=37
